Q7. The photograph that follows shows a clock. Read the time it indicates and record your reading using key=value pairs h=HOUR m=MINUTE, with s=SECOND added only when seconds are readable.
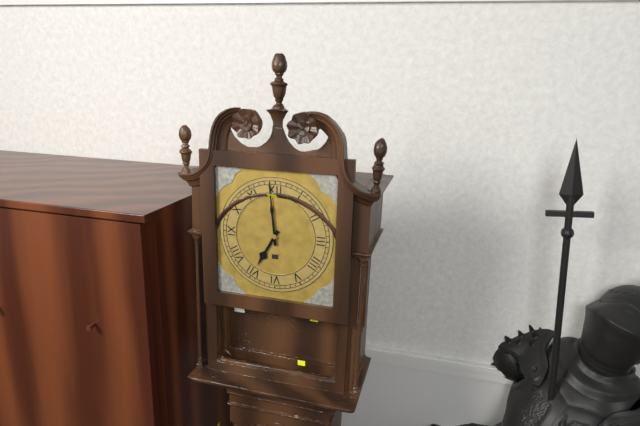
h=6 m=59
